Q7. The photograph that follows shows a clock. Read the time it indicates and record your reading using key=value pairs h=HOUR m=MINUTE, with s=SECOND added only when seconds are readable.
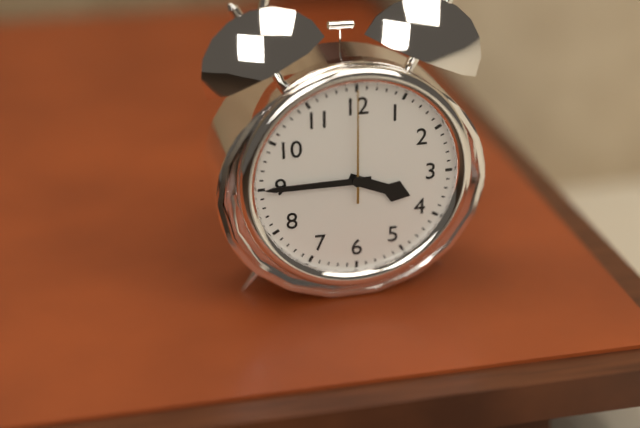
h=3 m=45 s=0
